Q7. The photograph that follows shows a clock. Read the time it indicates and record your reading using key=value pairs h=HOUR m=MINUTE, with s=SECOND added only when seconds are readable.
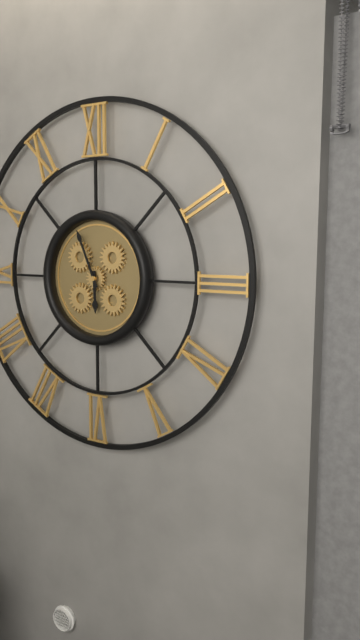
h=5 m=56
